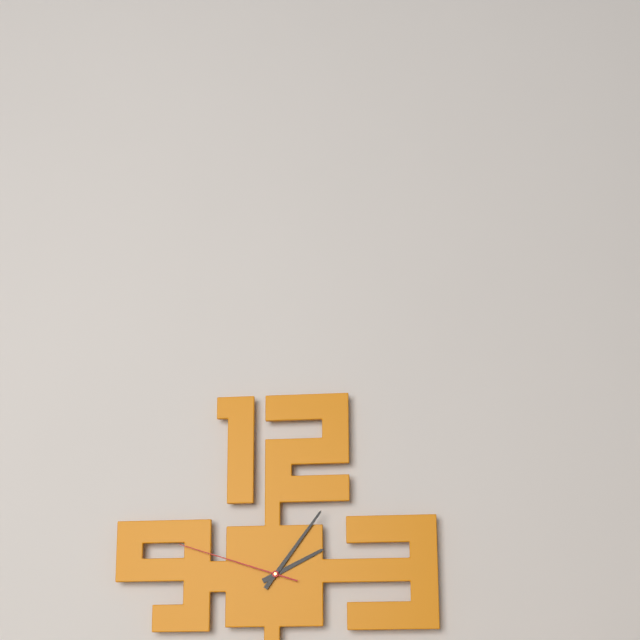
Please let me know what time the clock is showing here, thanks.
2:06:48
